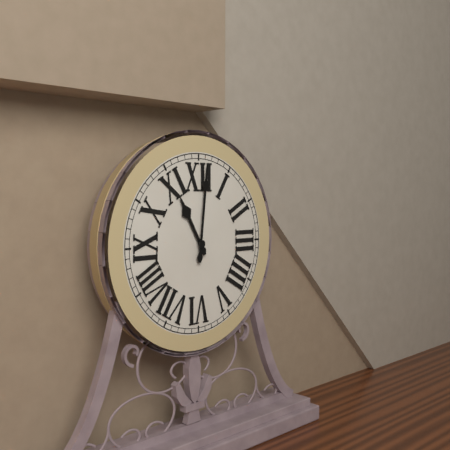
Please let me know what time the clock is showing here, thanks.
11:01
